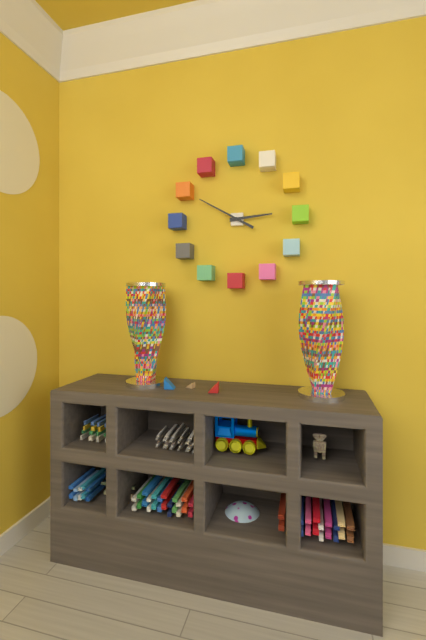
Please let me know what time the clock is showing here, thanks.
2:50
